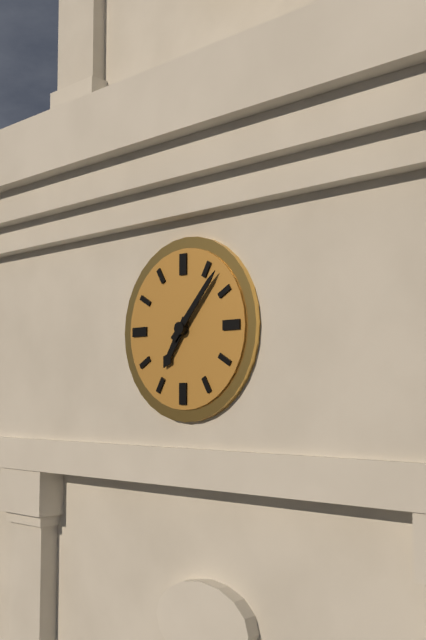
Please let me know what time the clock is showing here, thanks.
7:07
